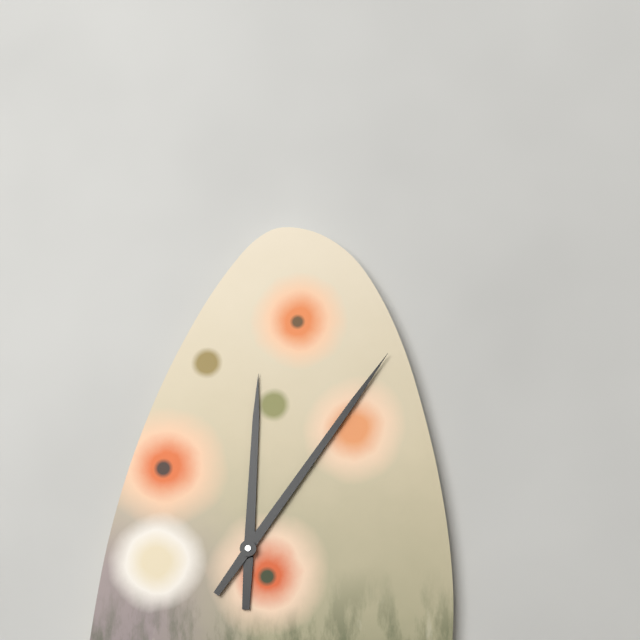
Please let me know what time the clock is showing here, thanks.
12:06
